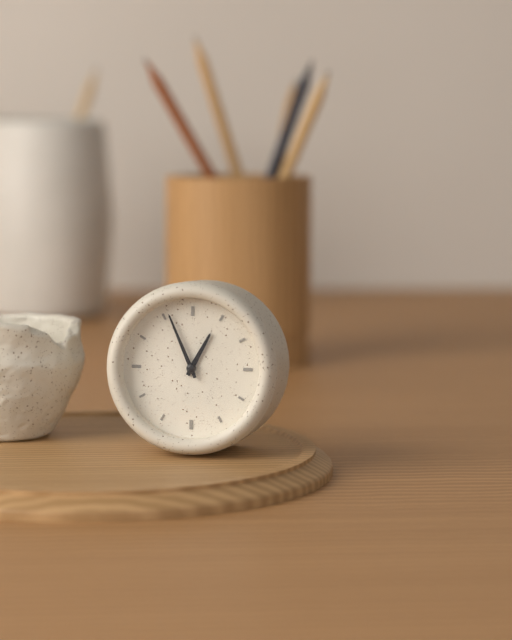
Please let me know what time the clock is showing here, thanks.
12:56
